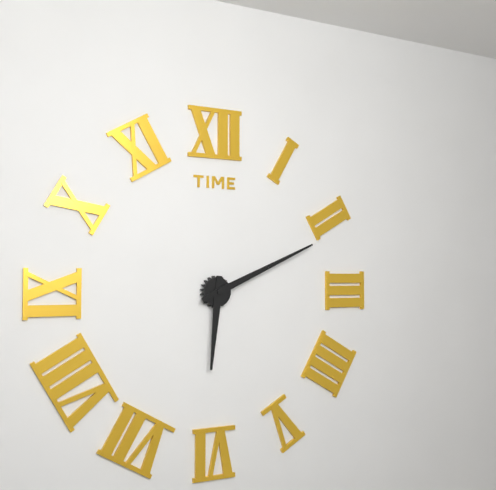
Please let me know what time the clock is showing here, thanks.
6:11
